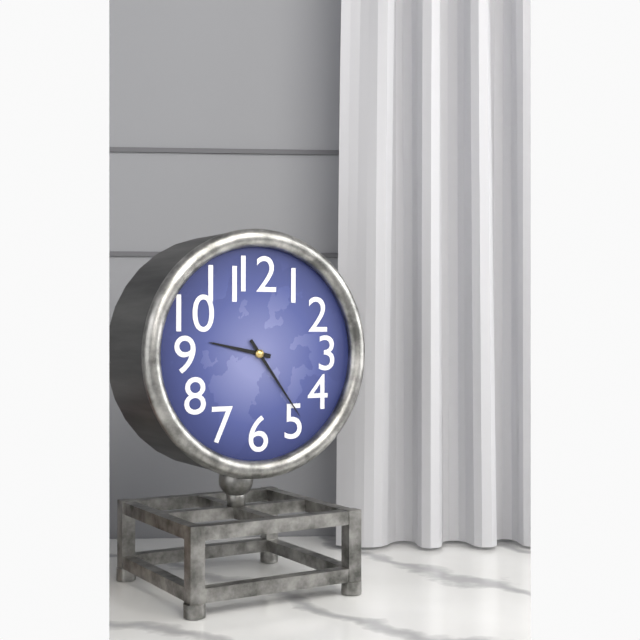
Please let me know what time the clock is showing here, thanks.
9:24
